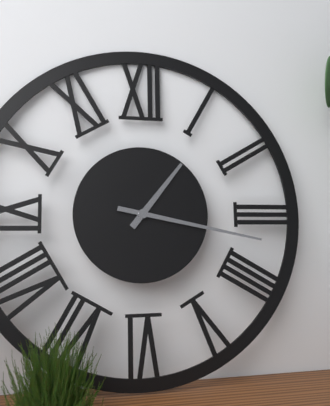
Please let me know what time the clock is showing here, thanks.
1:17
